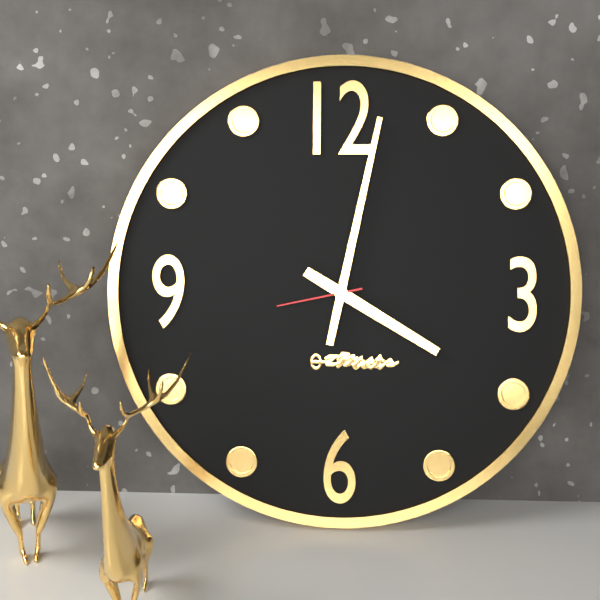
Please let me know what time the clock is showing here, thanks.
4:02:43
